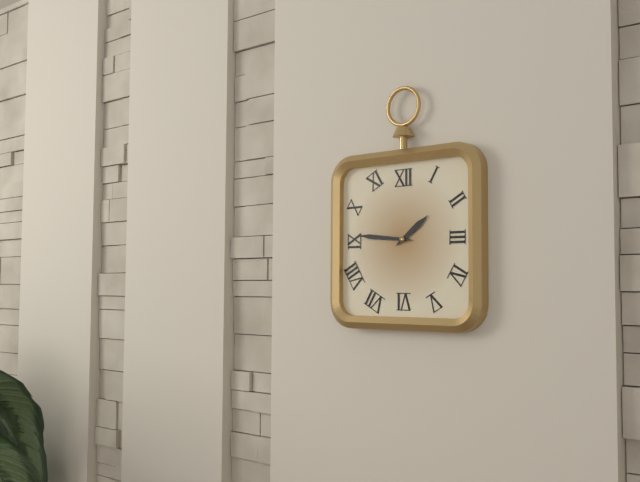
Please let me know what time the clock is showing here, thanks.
1:46
